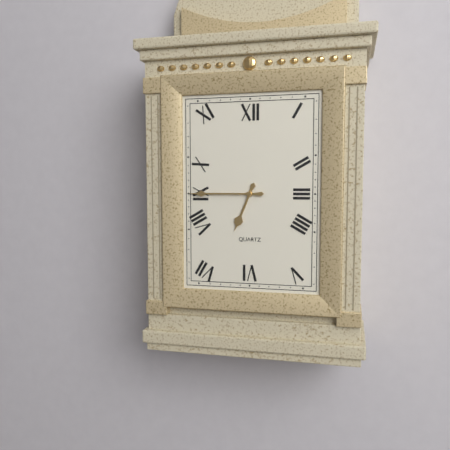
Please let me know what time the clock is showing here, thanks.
6:45
